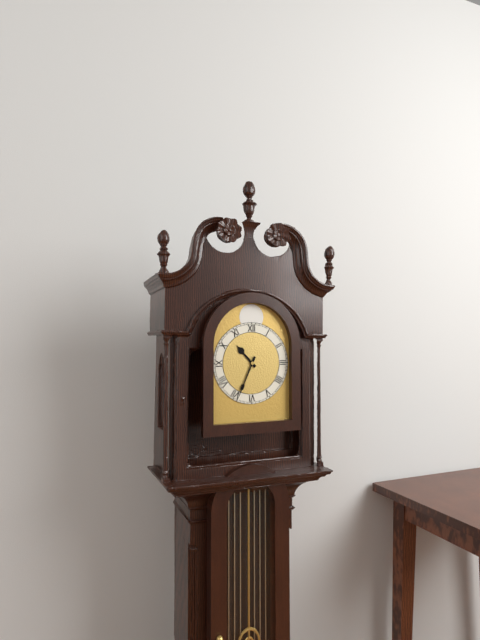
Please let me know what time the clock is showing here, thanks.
10:34
